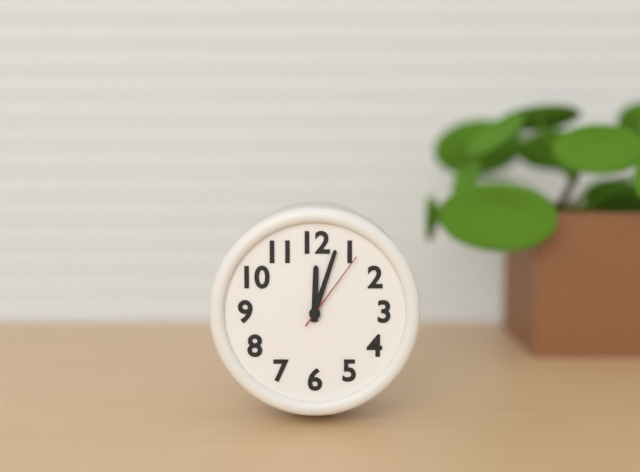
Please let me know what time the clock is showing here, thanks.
12:03:06
